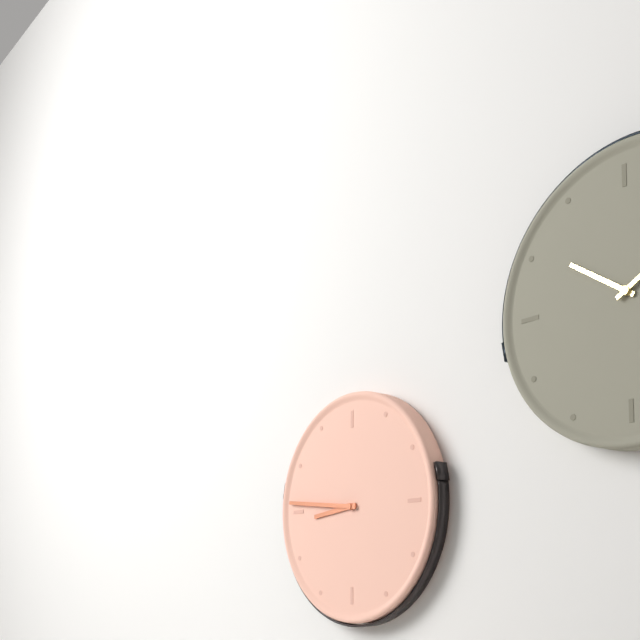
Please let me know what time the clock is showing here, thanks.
8:46
